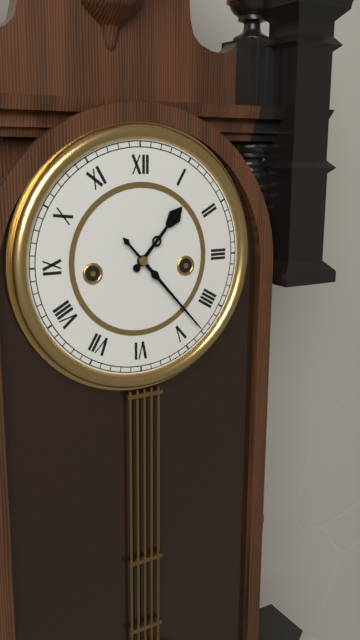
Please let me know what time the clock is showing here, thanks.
1:23
